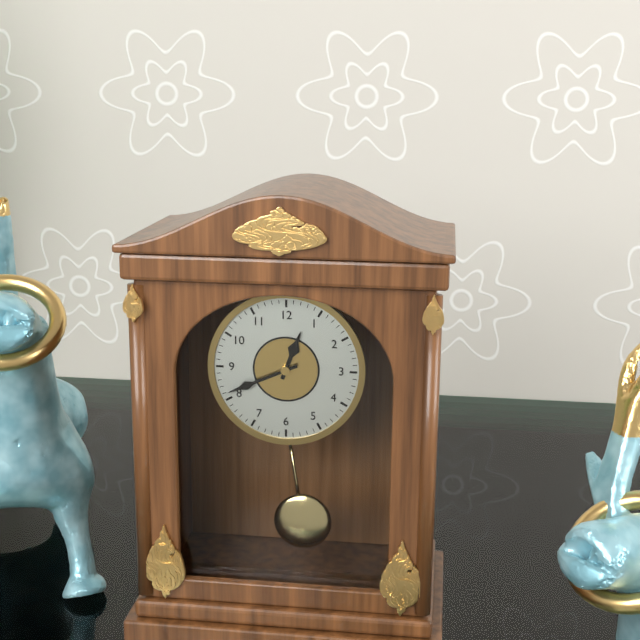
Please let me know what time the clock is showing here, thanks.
12:41
